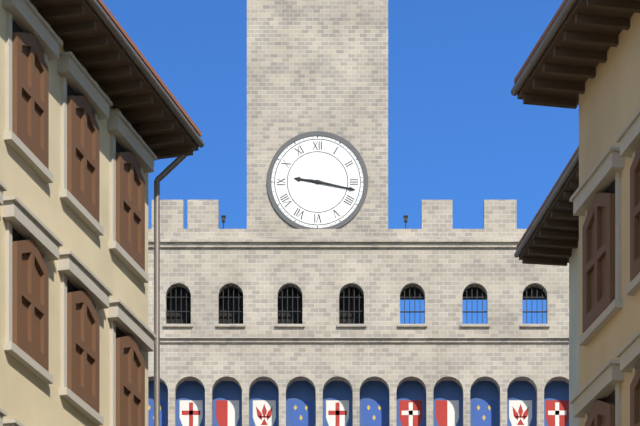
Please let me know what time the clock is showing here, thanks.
9:17
